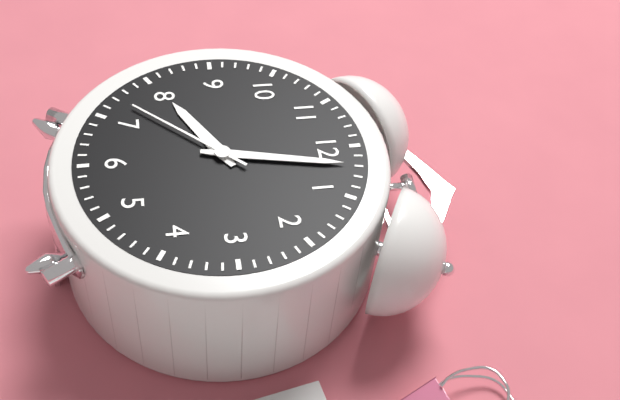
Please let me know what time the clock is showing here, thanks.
8:02:37
